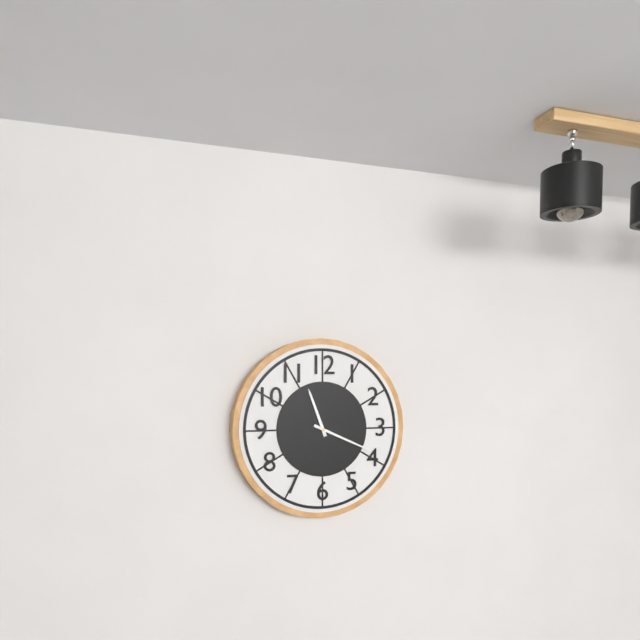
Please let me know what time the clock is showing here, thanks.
11:19
